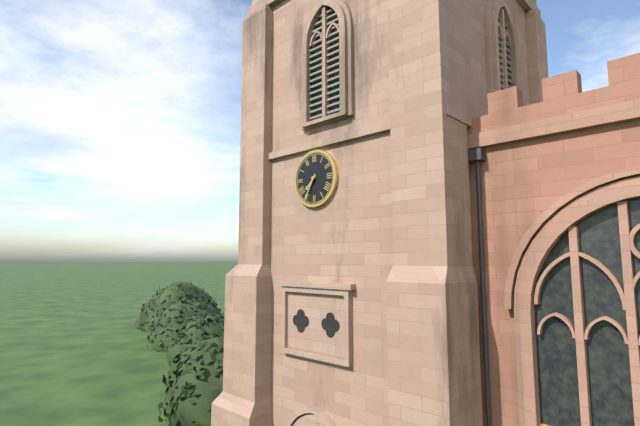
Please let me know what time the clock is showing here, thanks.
7:35
